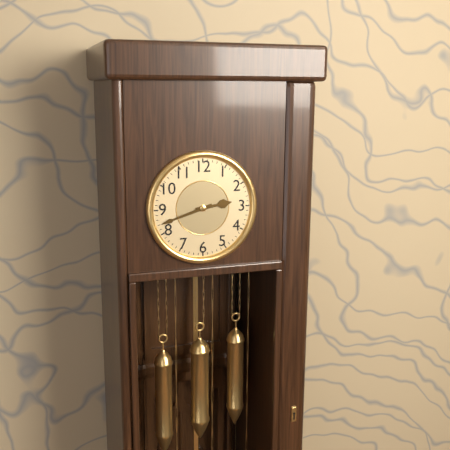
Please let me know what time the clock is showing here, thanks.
2:42
